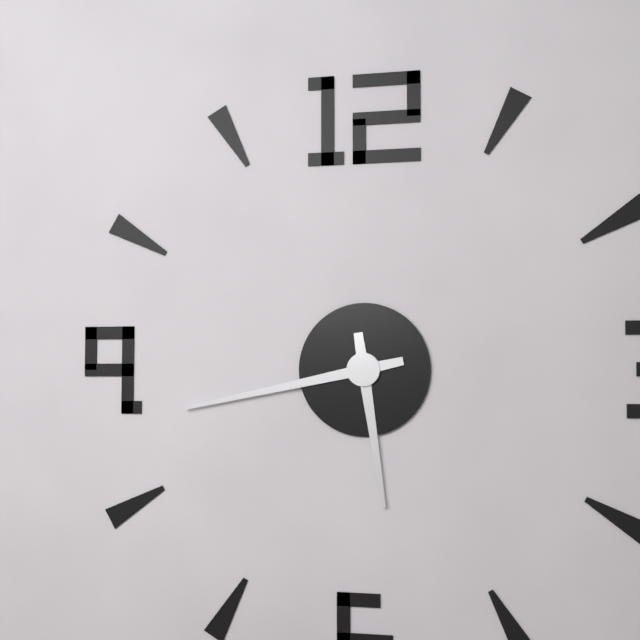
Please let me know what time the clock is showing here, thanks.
5:43
